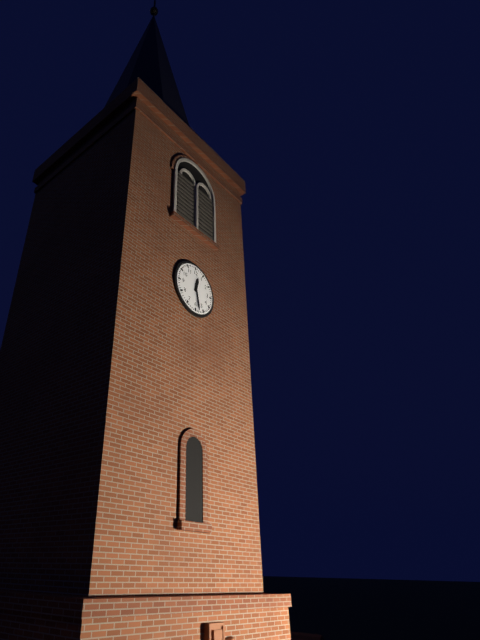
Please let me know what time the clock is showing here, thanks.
12:28
